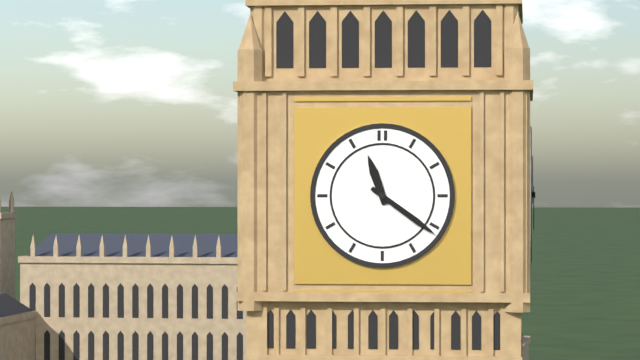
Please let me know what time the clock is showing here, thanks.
11:21
